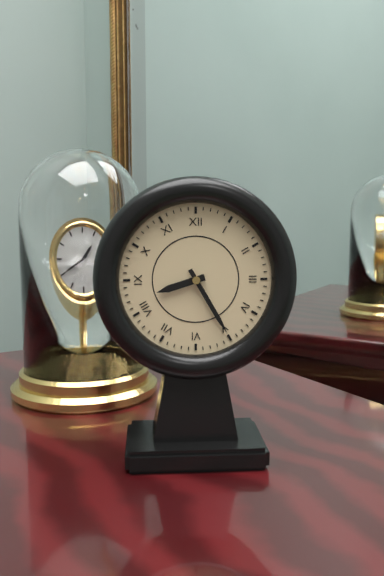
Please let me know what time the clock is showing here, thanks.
8:25
